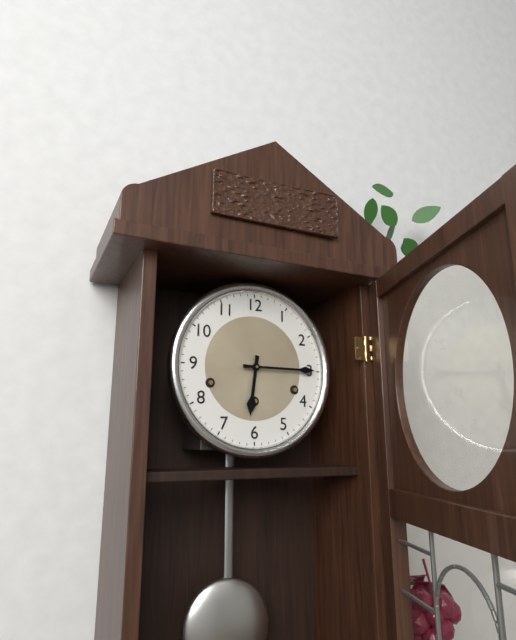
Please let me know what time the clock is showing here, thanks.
6:15
